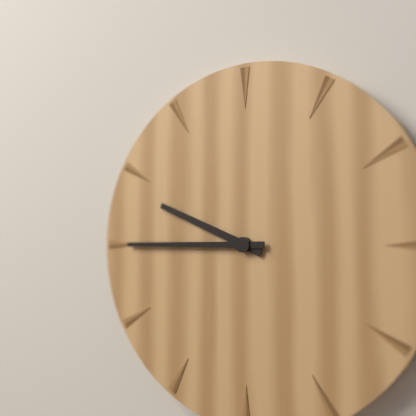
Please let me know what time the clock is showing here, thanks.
9:45
